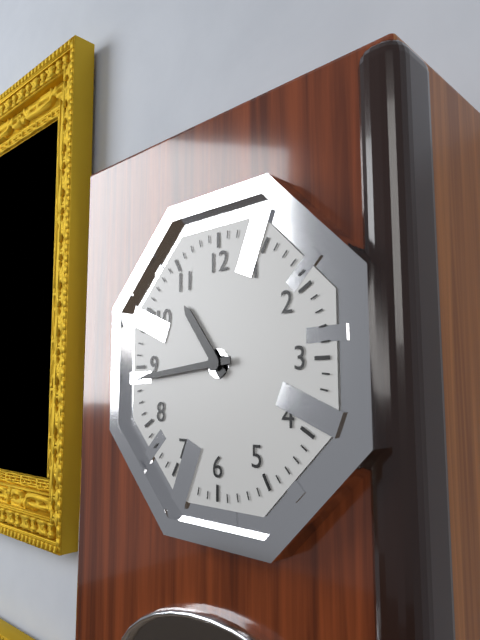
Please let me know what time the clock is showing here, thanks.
10:44
